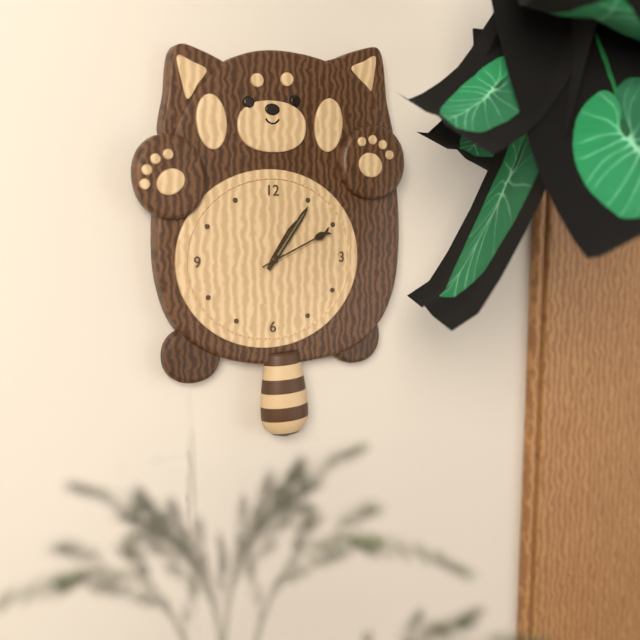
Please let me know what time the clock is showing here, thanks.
1:06:11
